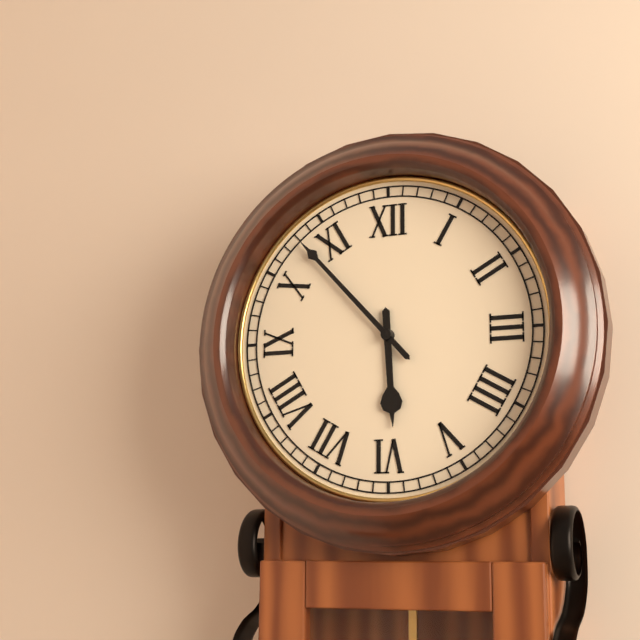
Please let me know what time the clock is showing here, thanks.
5:53
